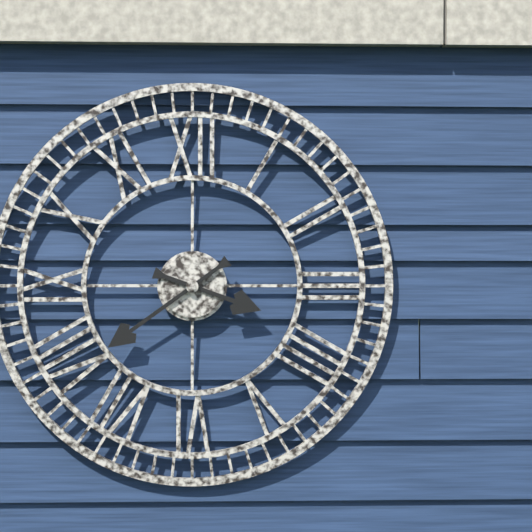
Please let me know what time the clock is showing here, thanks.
3:39
